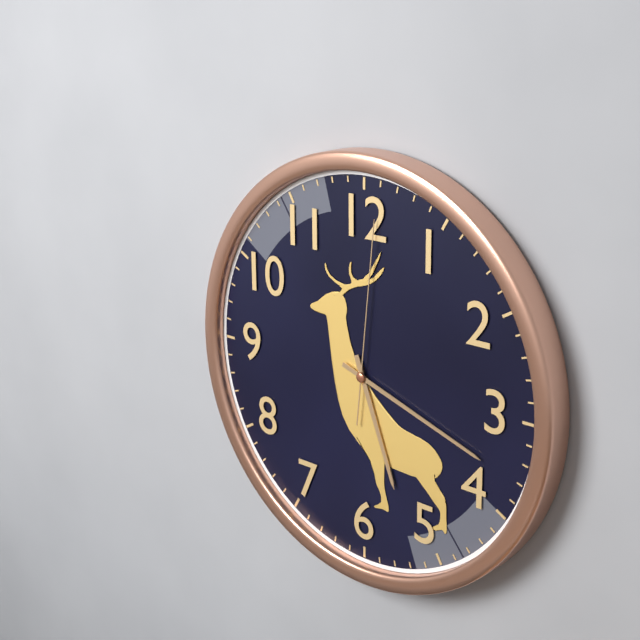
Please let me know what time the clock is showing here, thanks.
5:18:01
